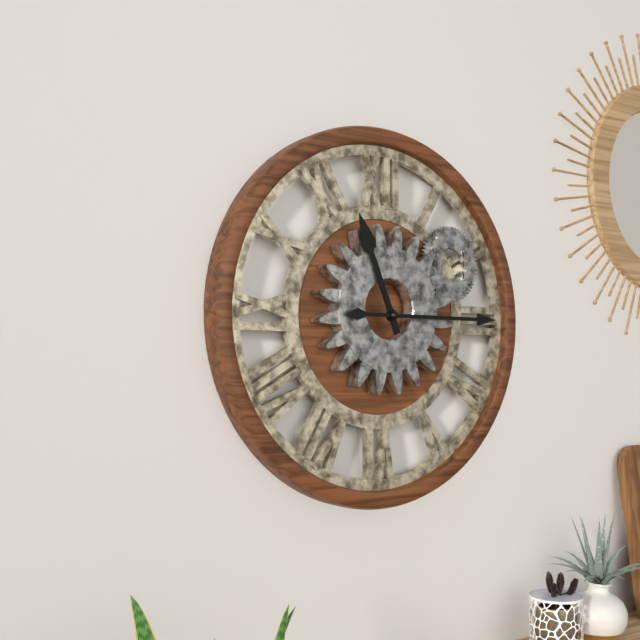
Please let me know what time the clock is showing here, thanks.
11:15
